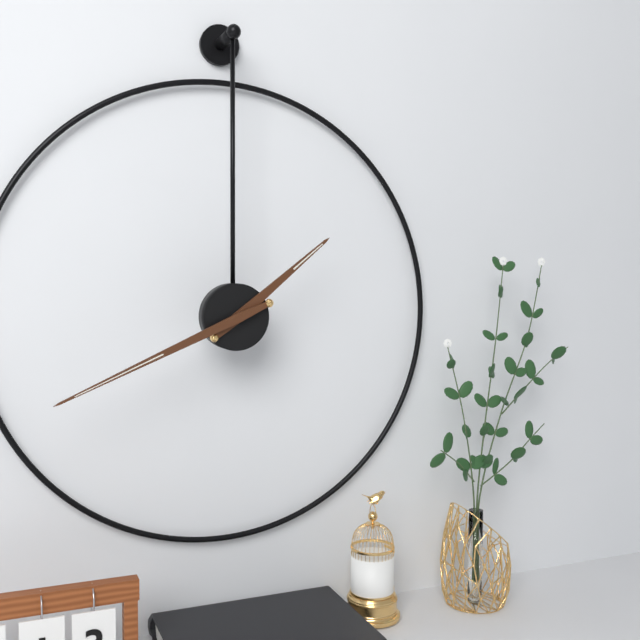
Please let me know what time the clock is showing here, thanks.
1:41
